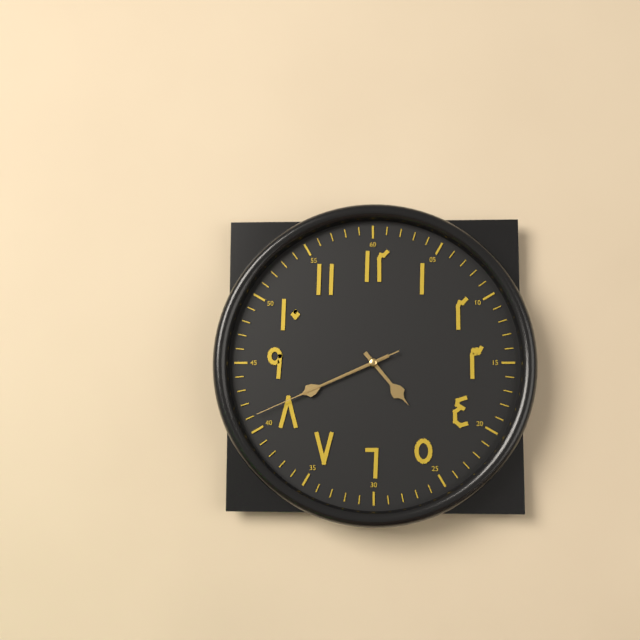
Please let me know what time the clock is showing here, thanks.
4:41:41
